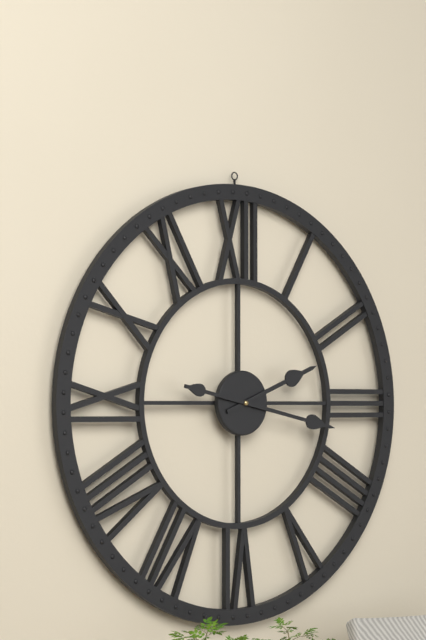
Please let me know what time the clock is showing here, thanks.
2:17
